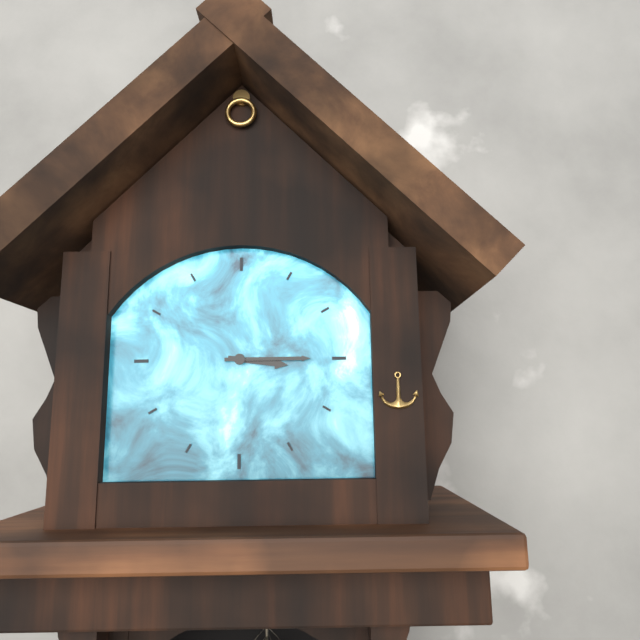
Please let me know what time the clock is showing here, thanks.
3:15
